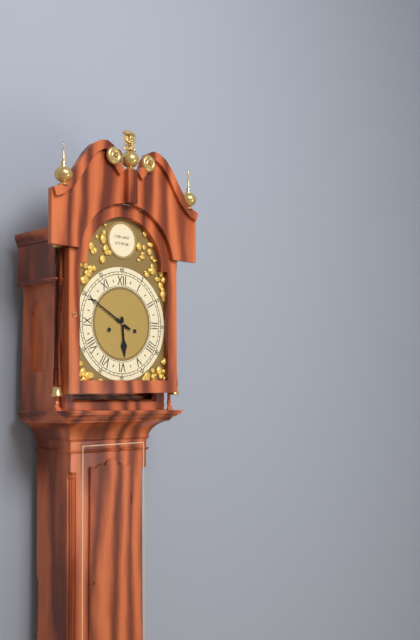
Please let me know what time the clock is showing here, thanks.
5:50
